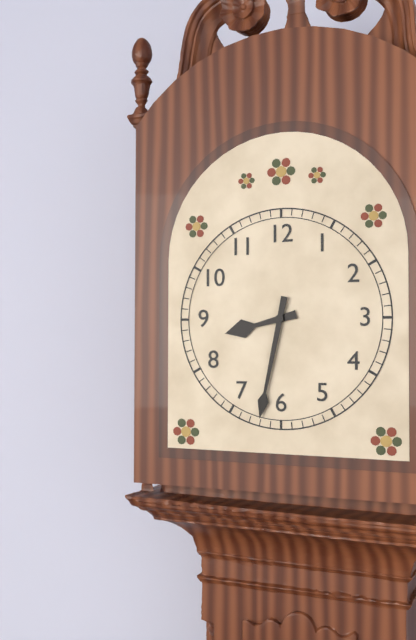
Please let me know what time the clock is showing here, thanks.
8:32
